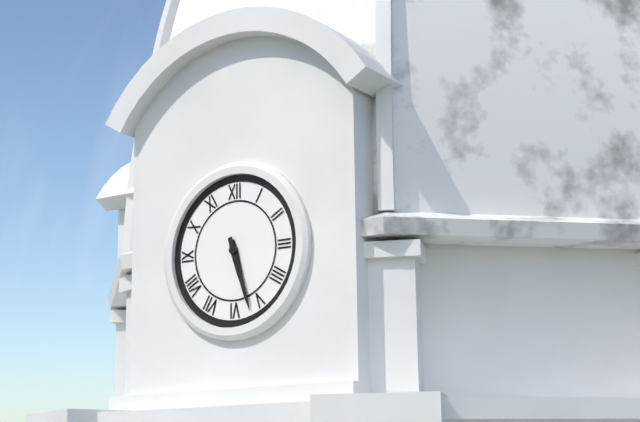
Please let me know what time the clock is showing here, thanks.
5:27
